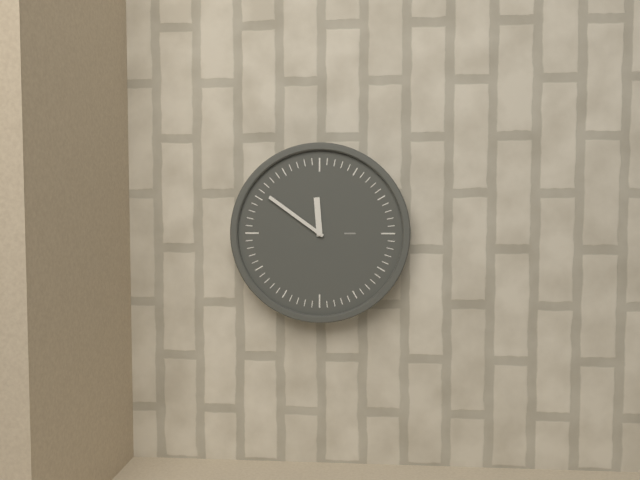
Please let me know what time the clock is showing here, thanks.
11:51
